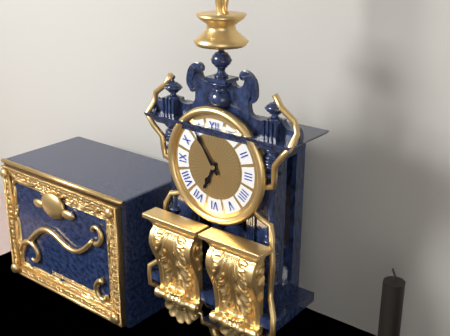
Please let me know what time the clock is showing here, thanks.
6:54
